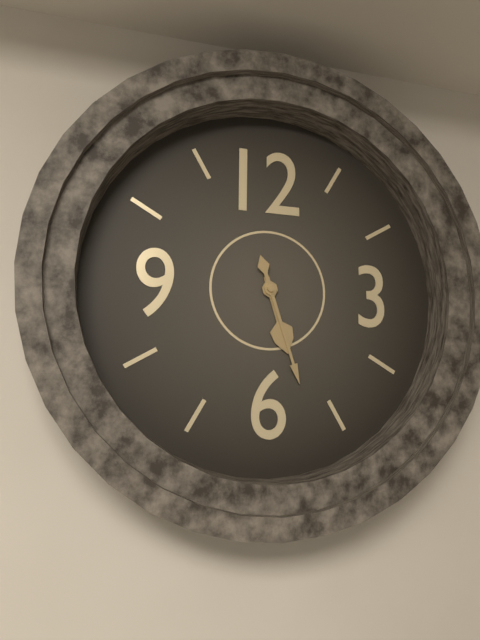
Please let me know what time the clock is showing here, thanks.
5:27
